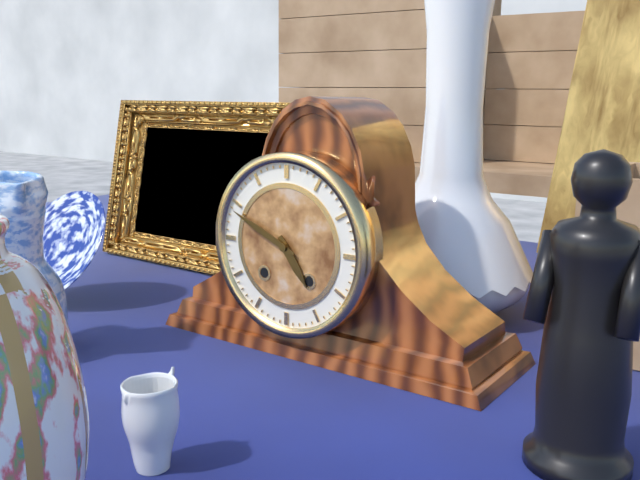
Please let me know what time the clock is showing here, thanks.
4:49
